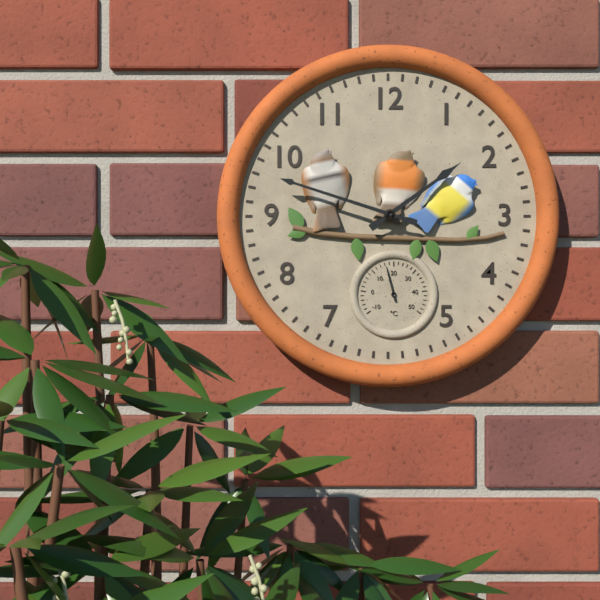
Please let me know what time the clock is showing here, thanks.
1:48
